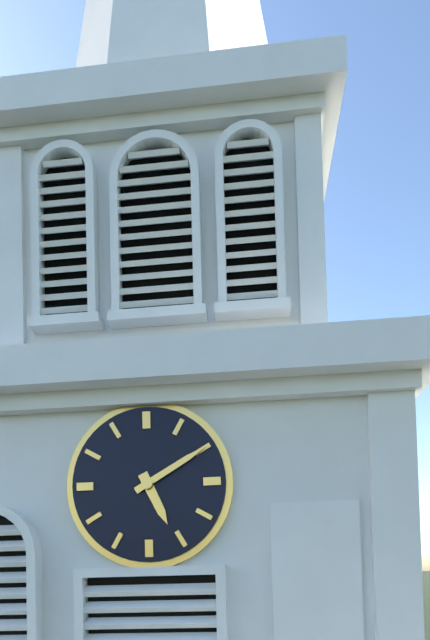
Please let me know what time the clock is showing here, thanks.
5:10
